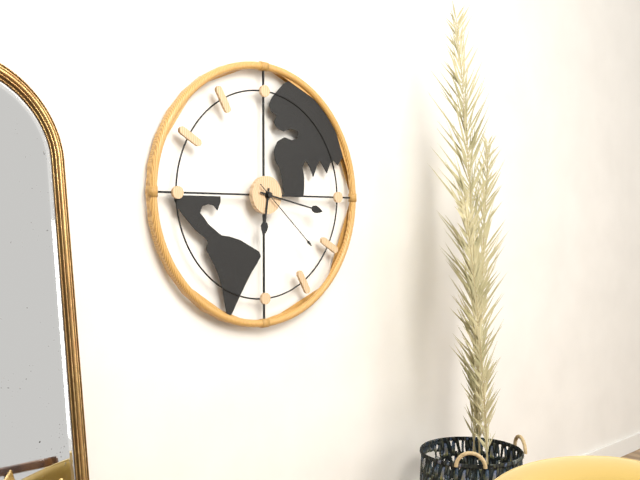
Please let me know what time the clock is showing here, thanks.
6:17:22
